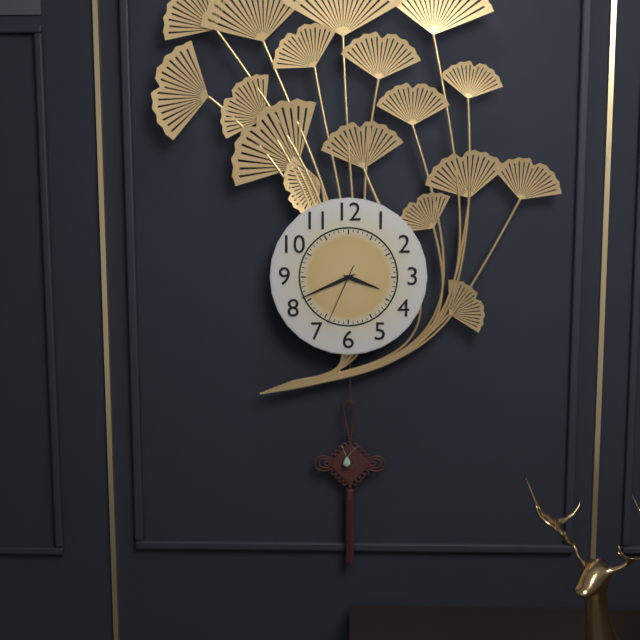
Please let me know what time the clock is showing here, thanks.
3:41:34
